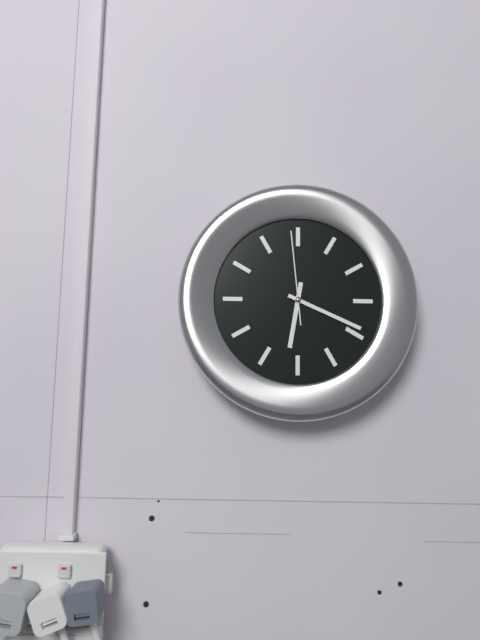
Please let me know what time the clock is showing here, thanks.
6:19:59
